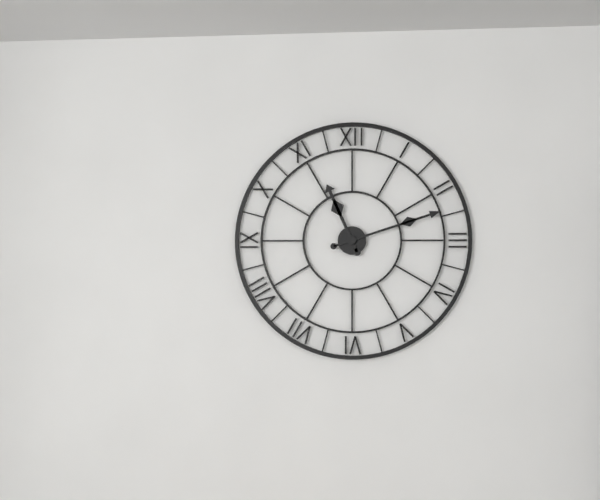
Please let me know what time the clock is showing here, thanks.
11:12
